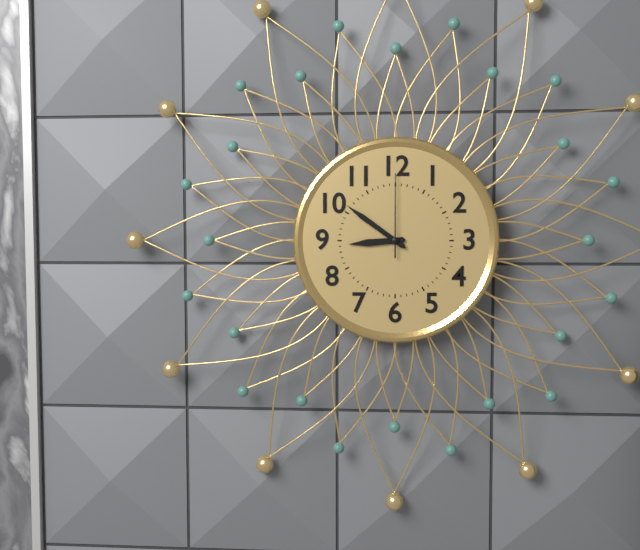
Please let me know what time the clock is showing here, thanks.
8:51:00
